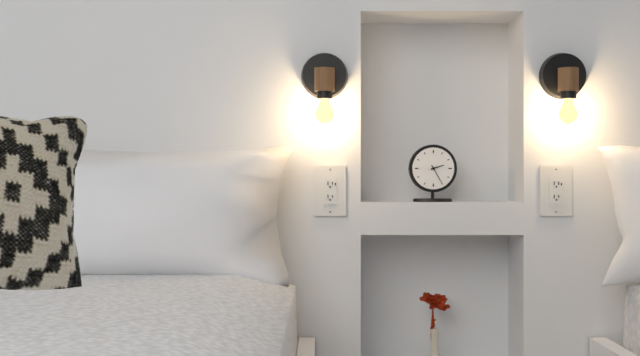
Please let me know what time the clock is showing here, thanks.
2:25
